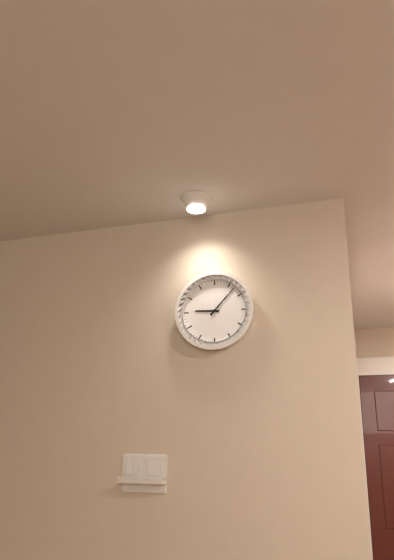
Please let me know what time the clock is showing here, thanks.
9:07
